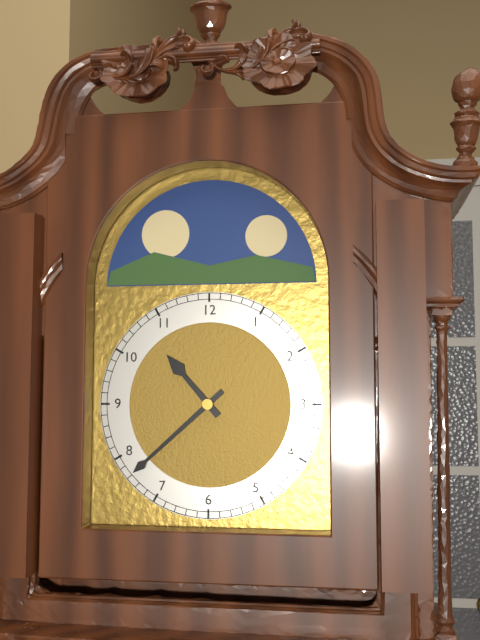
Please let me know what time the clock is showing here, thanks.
10:38
